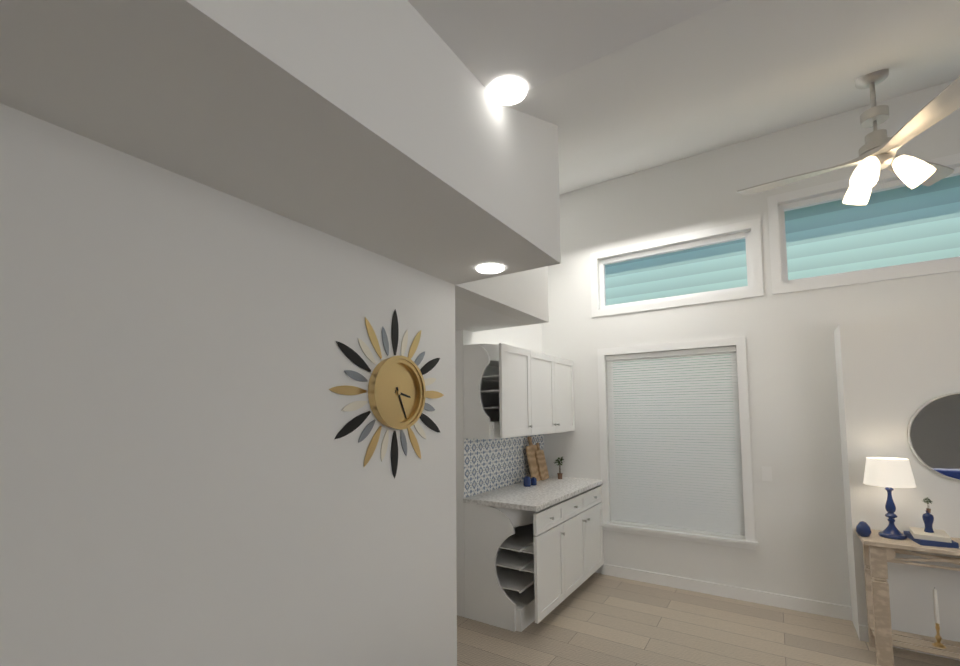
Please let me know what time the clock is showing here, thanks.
3:26
